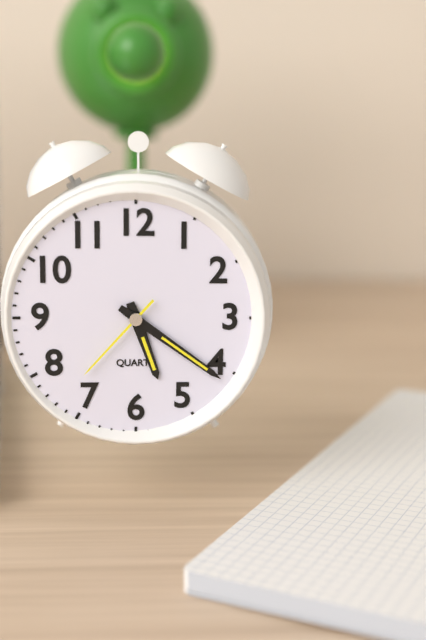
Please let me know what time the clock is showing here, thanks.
5:21:37
